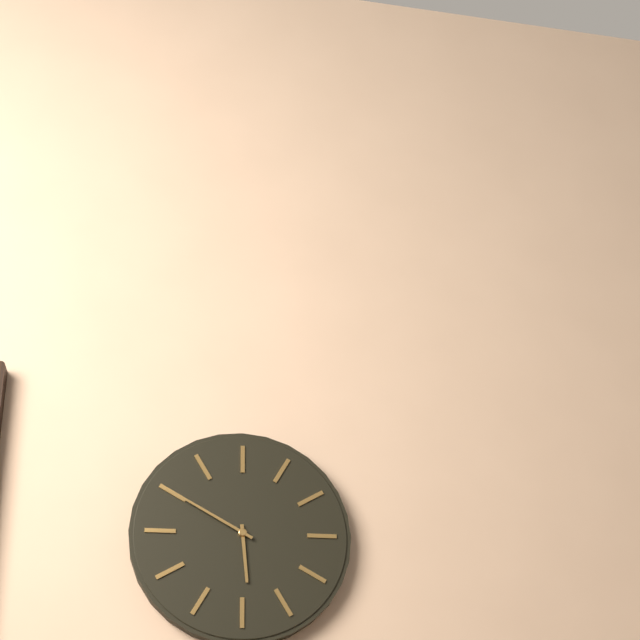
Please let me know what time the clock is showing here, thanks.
5:50
